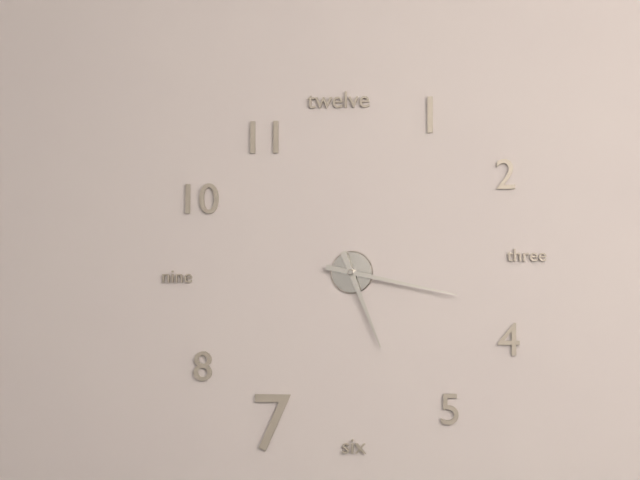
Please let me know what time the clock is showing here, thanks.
5:17
